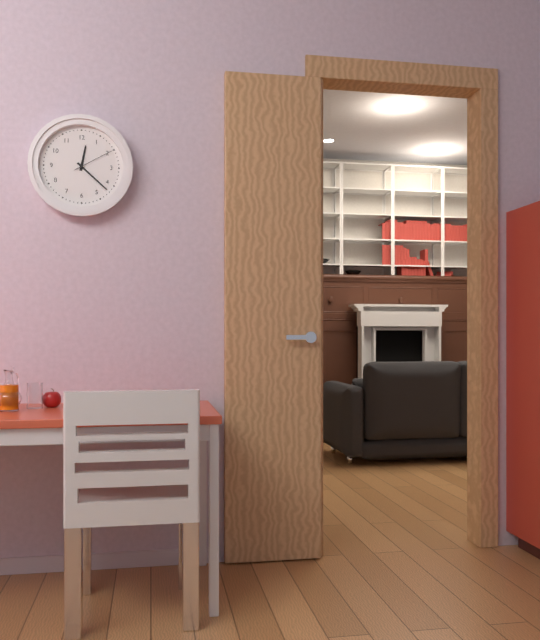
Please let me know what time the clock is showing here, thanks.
12:22
